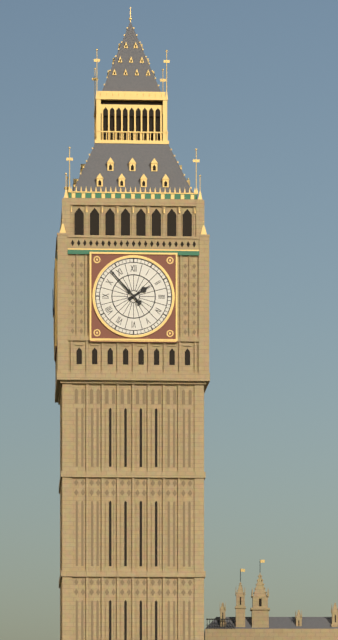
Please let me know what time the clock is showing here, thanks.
1:53
